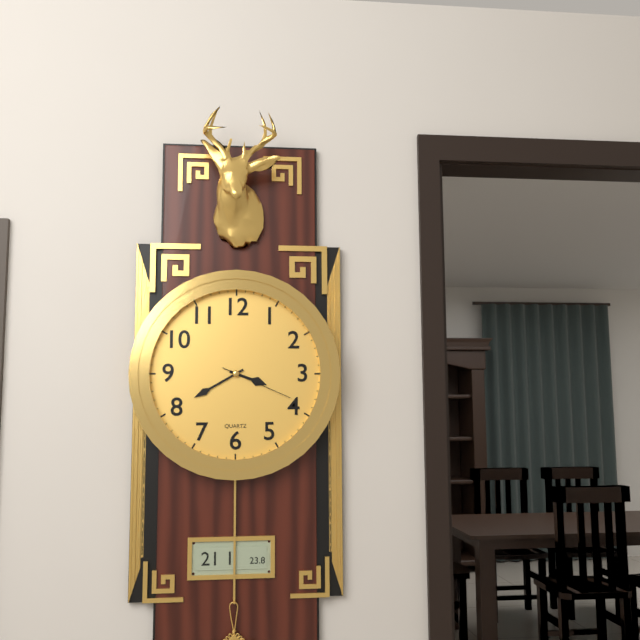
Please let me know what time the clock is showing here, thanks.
3:40:19
